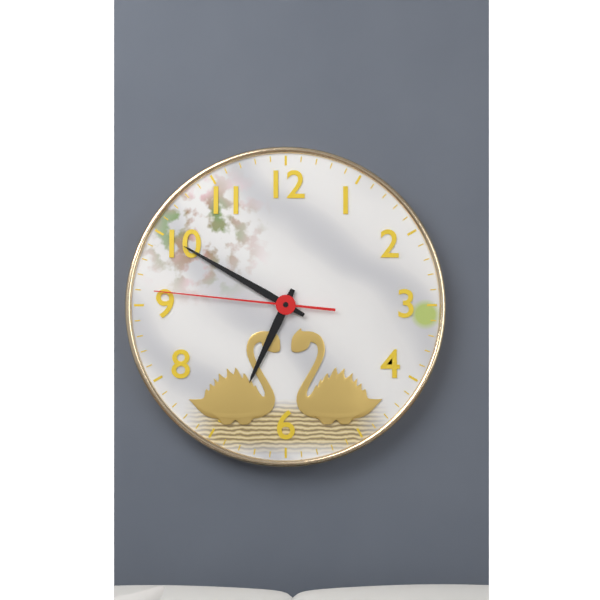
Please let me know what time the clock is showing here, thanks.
6:50:46
